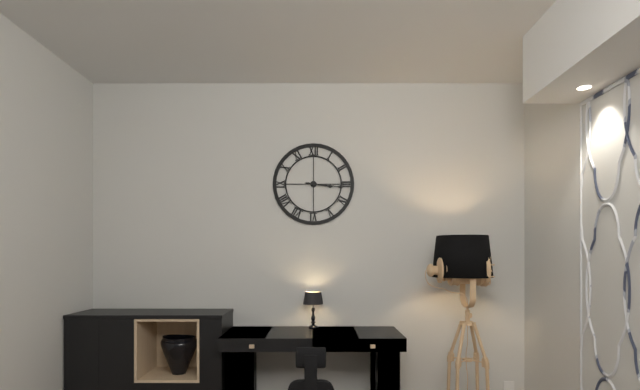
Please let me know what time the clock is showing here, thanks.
3:16
